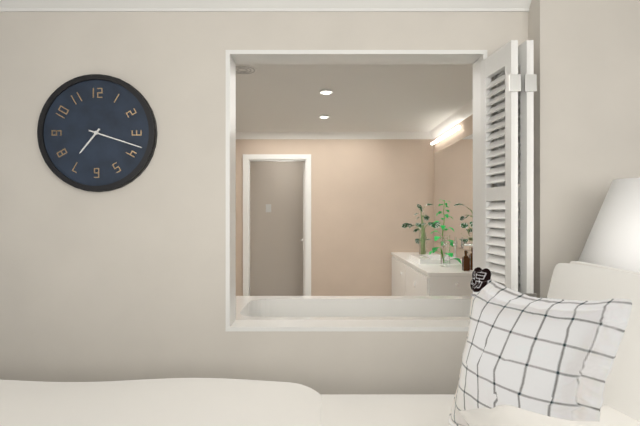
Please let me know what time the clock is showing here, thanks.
7:18
